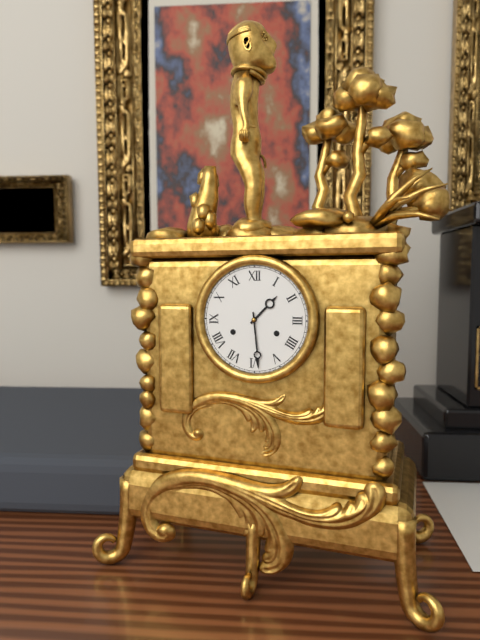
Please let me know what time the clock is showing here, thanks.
1:29
